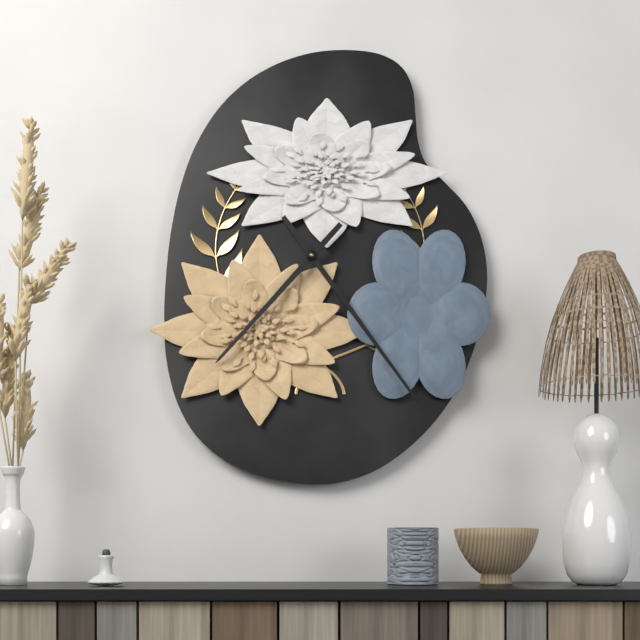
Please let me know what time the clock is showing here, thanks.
7:24
